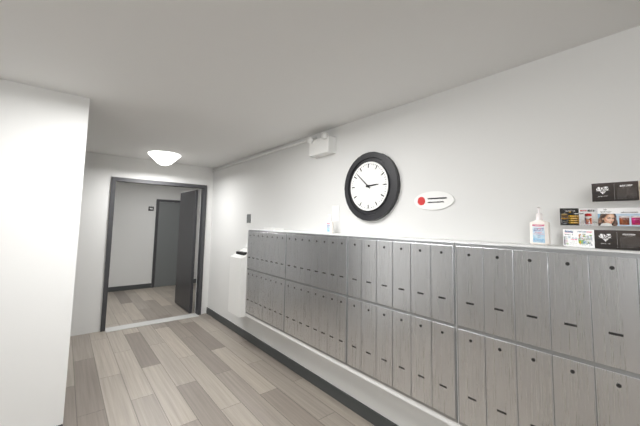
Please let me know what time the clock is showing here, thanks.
2:52
